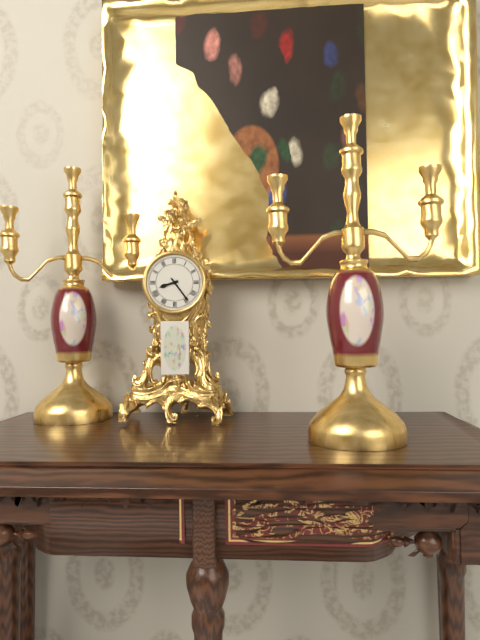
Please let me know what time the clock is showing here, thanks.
8:24
